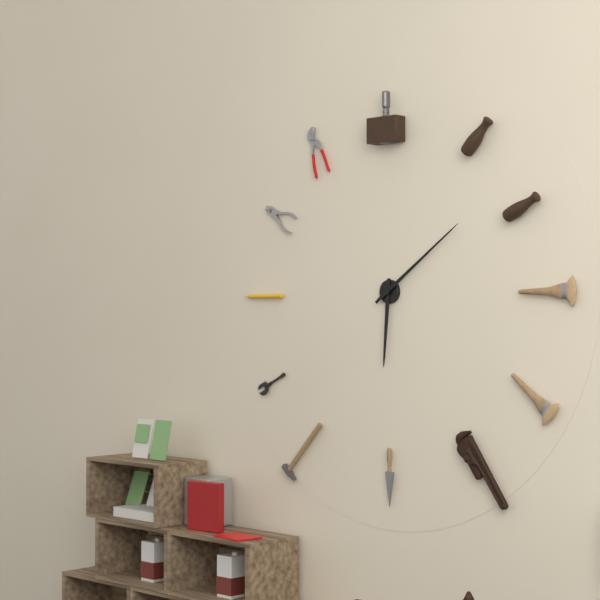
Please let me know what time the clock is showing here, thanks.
6:09
